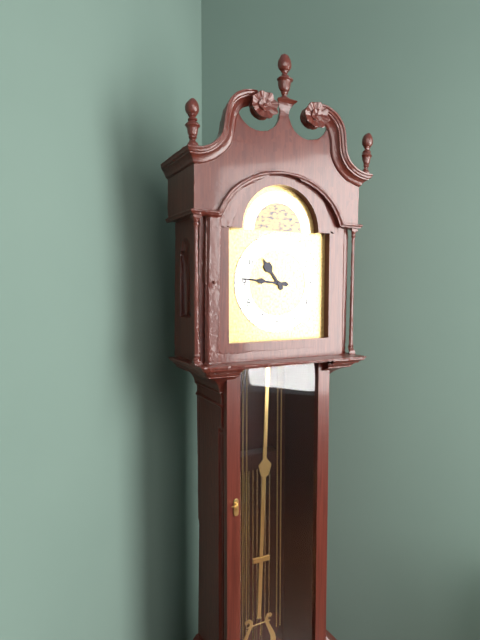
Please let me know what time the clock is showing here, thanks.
10:46
